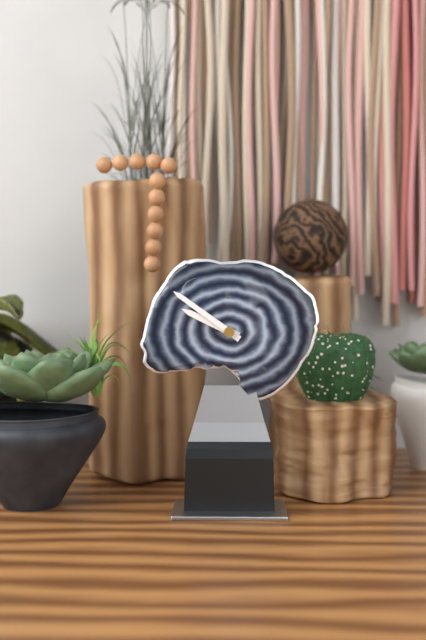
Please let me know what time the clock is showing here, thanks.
9:51
